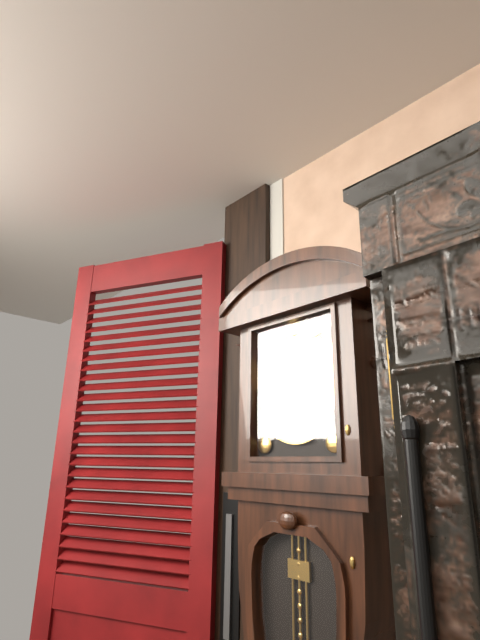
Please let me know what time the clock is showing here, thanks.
3:28
